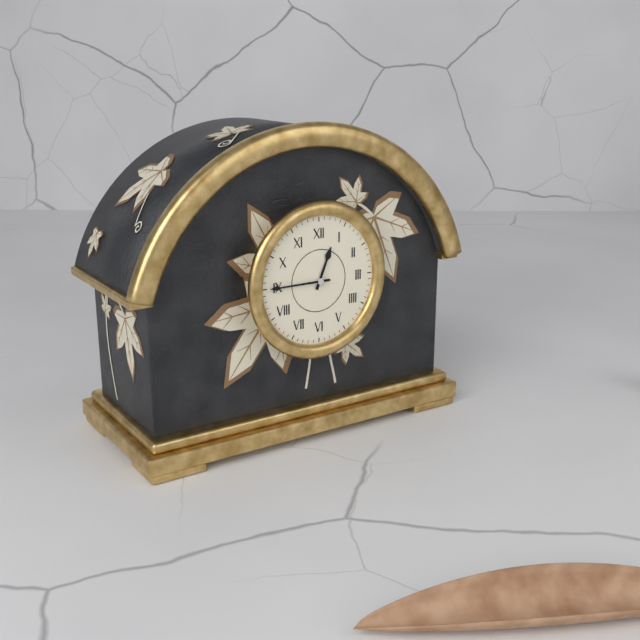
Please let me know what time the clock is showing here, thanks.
12:45
